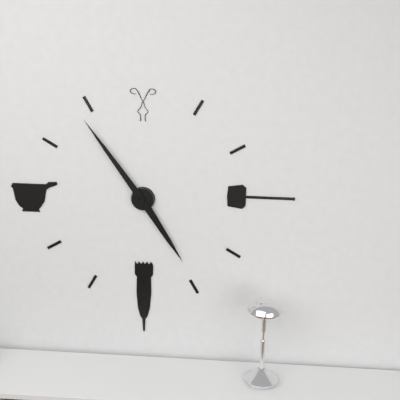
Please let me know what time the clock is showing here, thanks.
4:54
